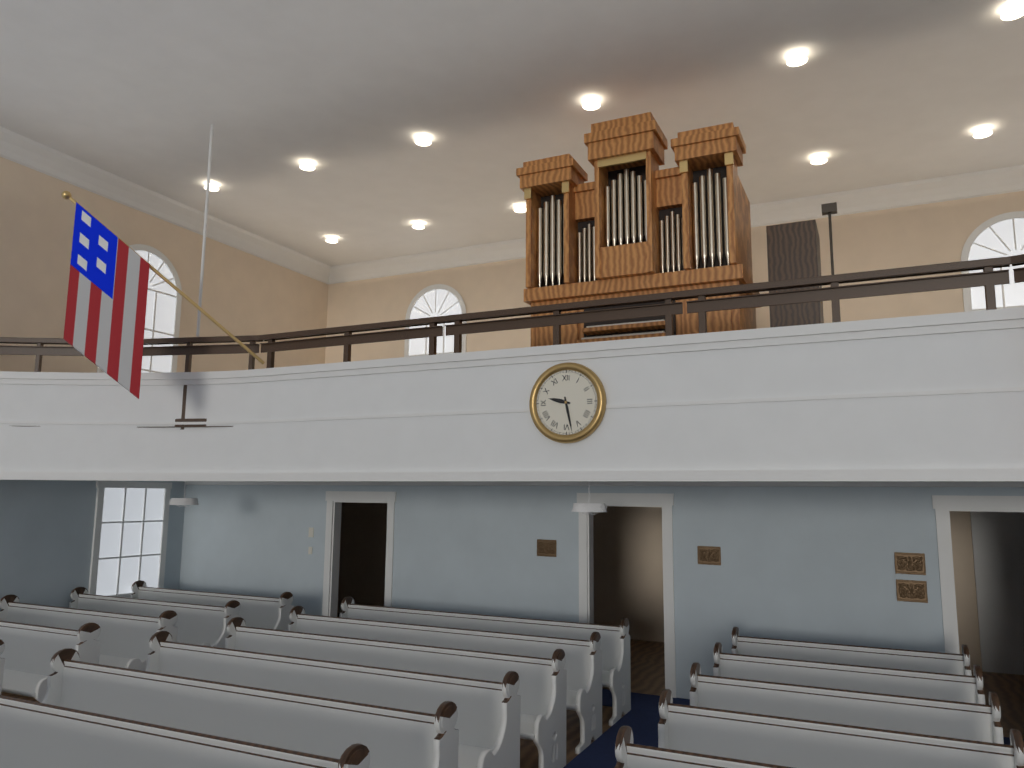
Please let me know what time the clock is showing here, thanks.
9:28
